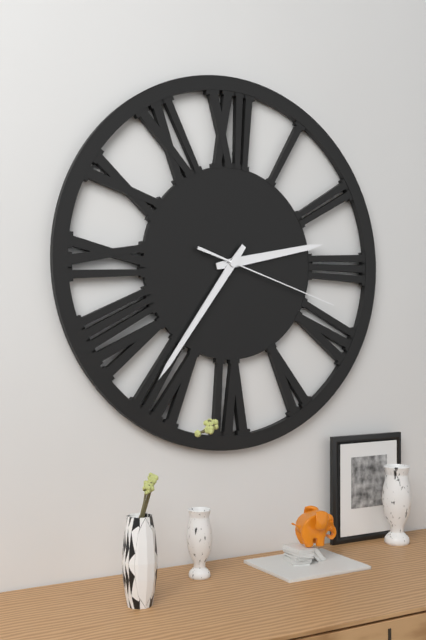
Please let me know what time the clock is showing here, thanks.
2:36:18
